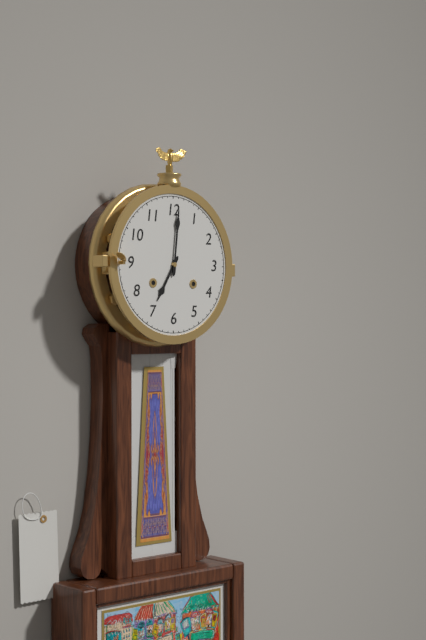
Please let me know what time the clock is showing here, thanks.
7:01
